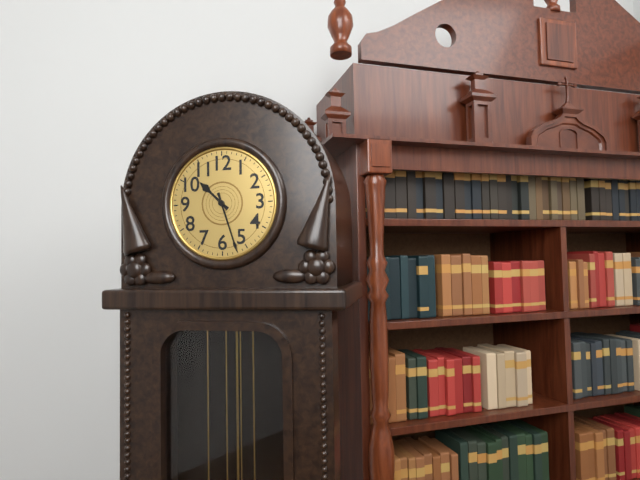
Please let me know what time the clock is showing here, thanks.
10:27
